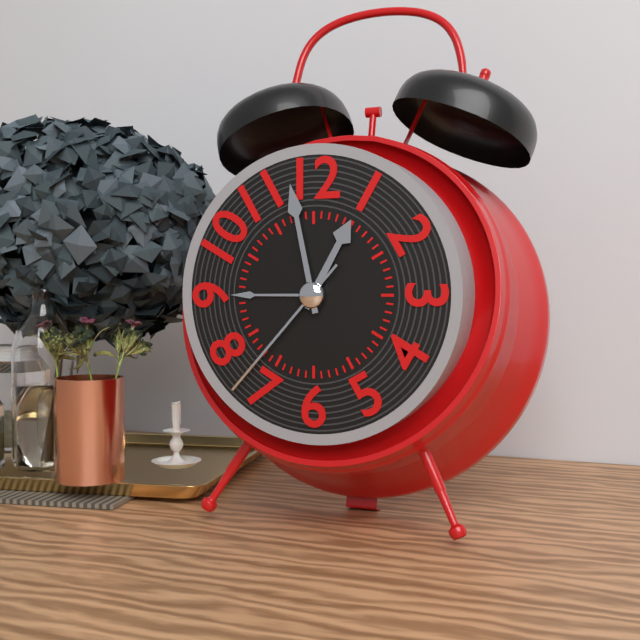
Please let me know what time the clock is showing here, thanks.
12:58:37
